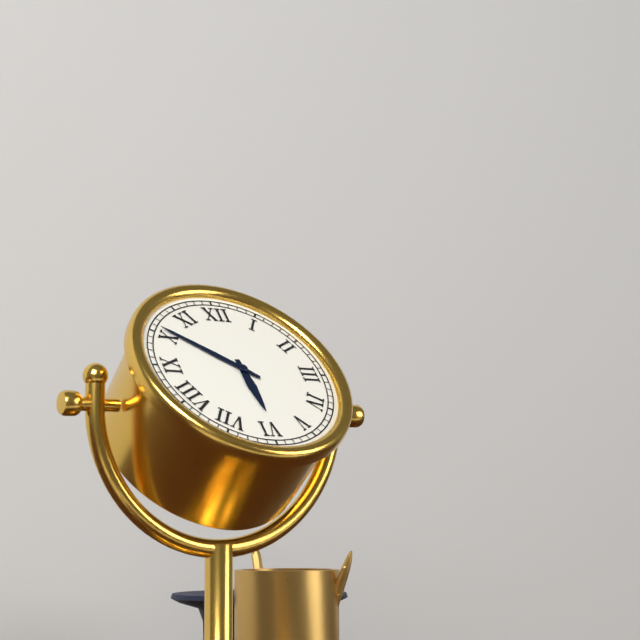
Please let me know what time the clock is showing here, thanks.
5:51
